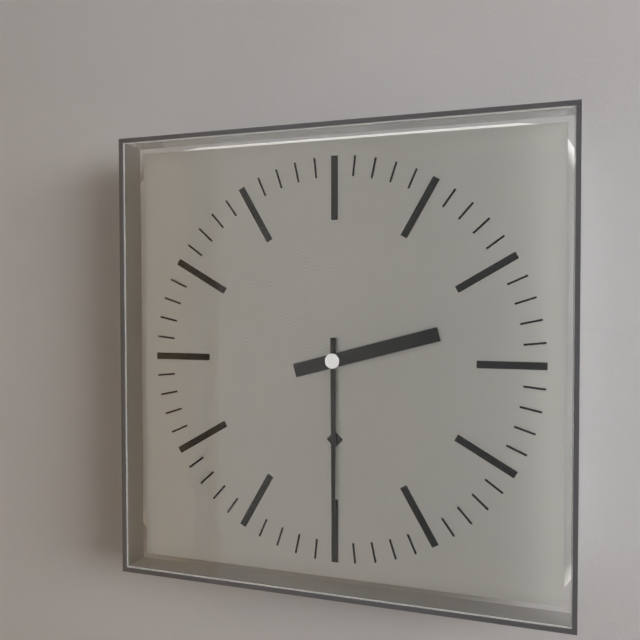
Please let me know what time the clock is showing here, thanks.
2:30
